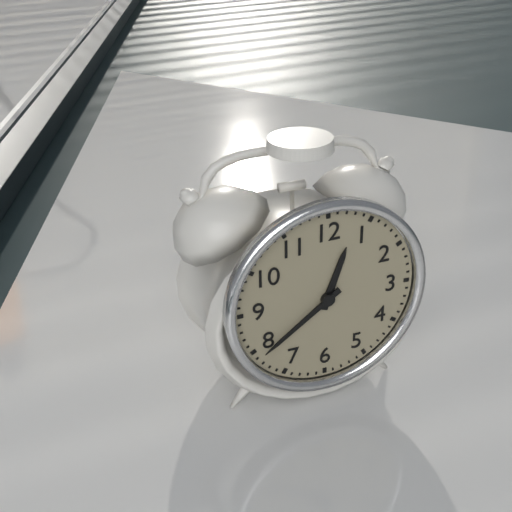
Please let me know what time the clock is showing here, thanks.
12:39
